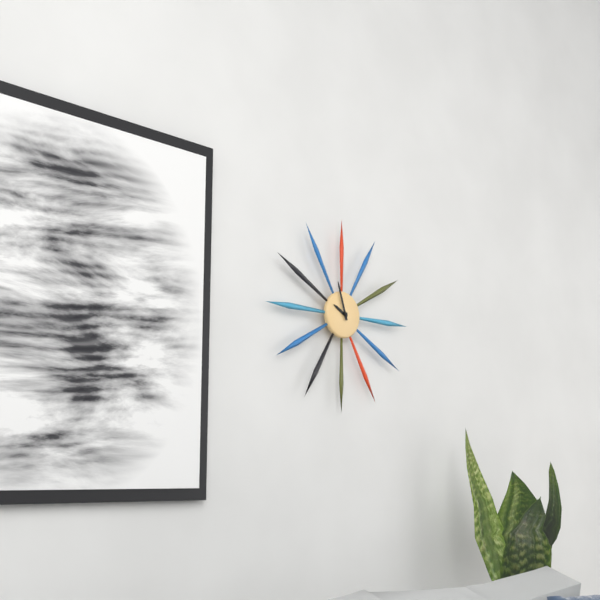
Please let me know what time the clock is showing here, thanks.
9:57
